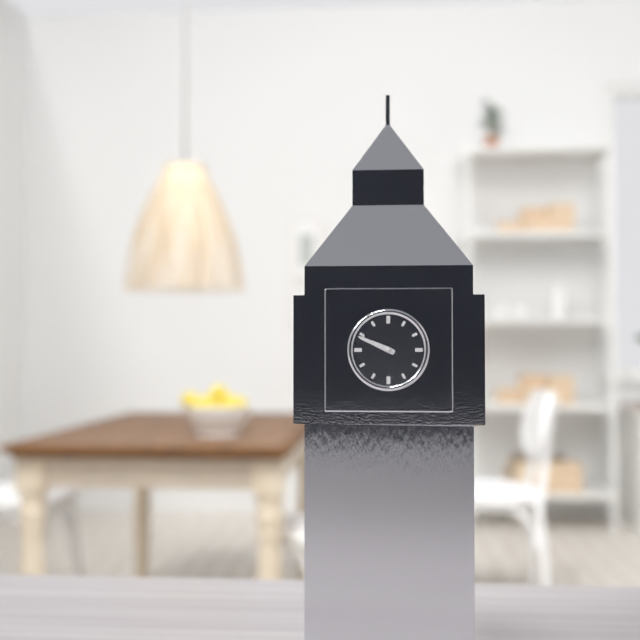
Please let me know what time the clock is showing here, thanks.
9:49
